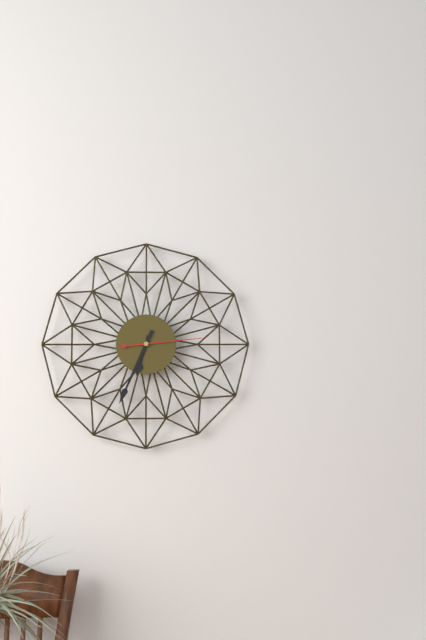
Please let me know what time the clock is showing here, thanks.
6:34:14
